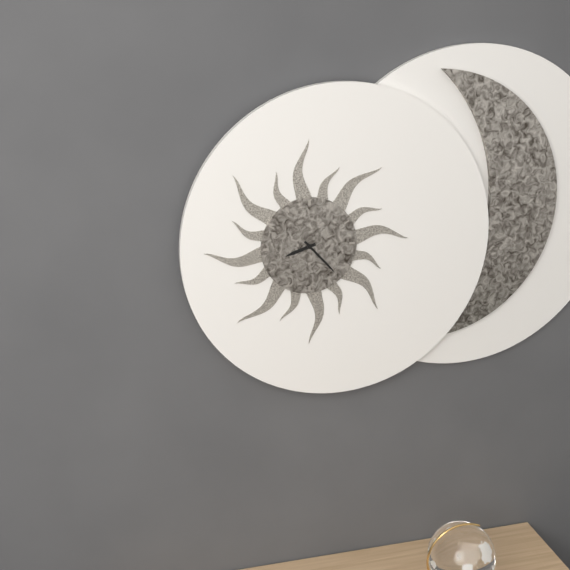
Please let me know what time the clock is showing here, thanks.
8:23
